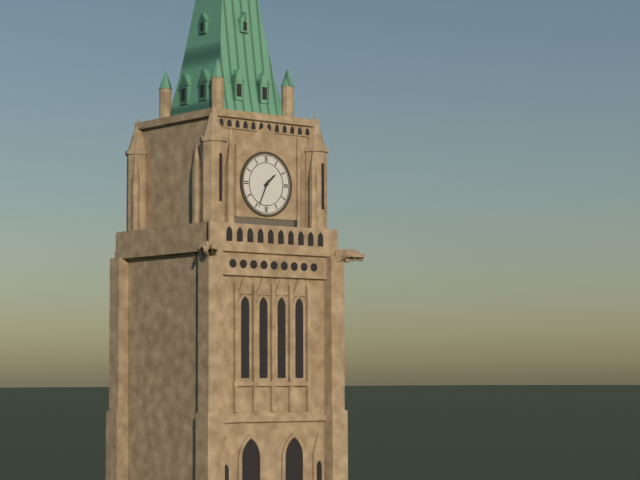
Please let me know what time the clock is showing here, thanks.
1:34
